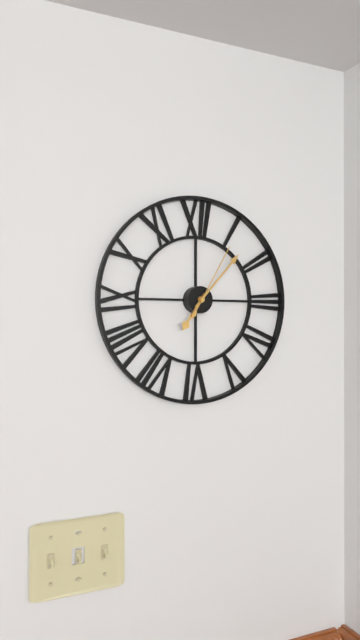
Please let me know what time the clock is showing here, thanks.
7:07:05
